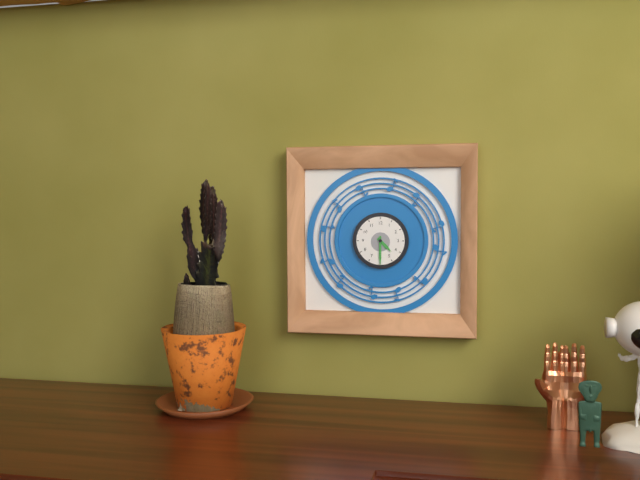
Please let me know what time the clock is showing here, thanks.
4:30
